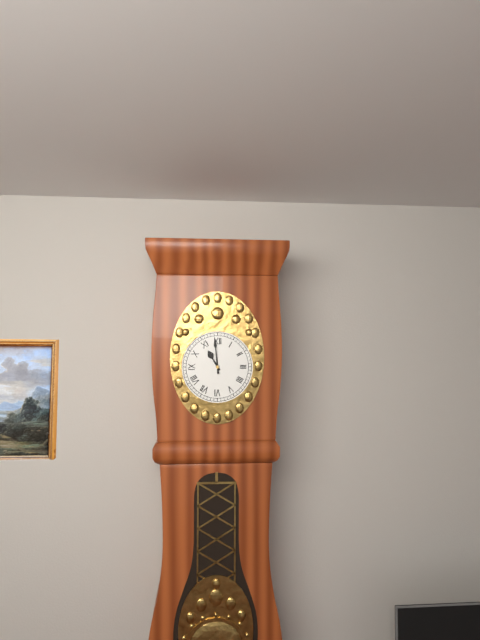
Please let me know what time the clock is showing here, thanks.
10:59
